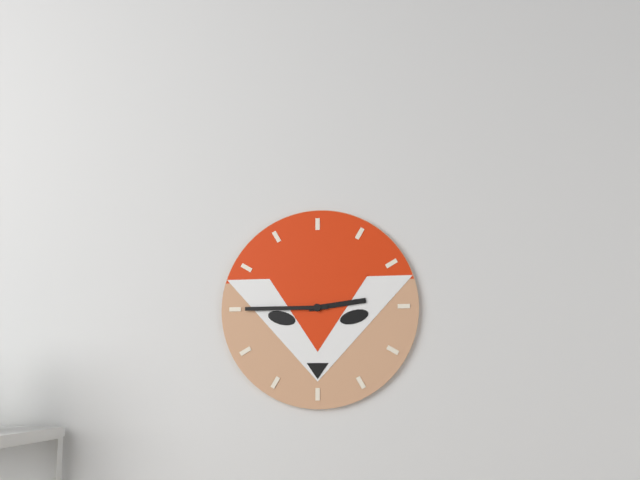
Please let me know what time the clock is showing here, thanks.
2:45
